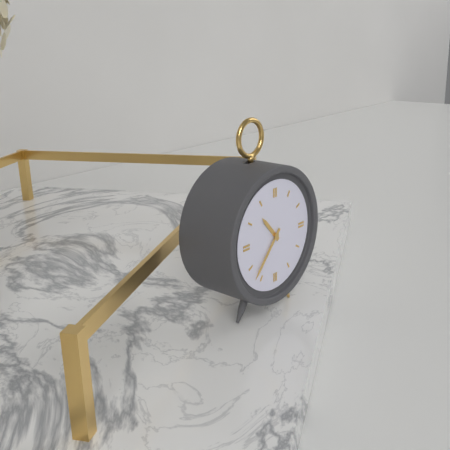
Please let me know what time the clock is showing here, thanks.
10:37
